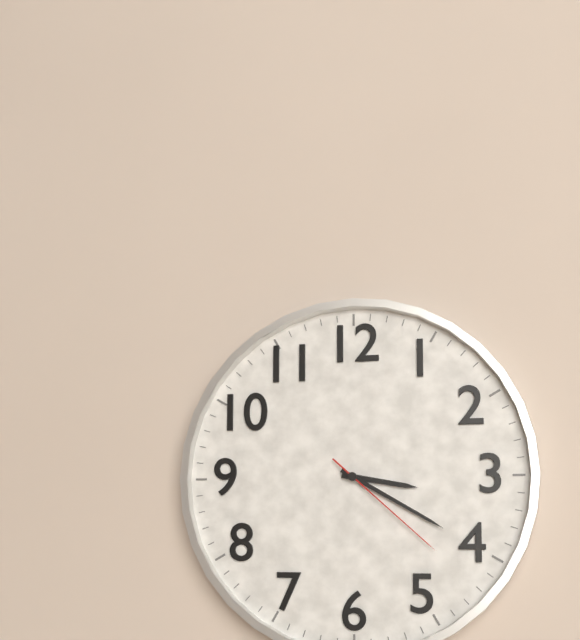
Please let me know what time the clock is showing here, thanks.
3:20:22
